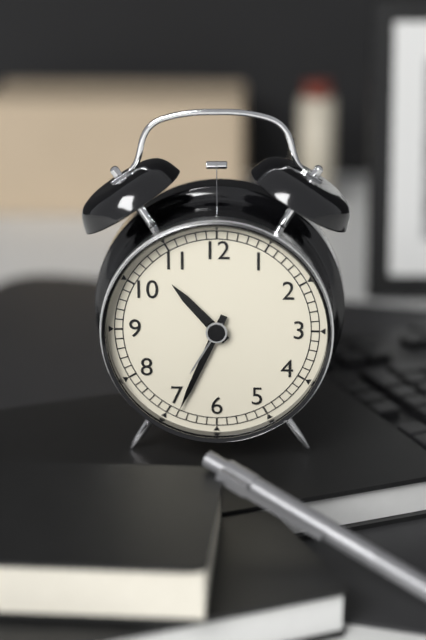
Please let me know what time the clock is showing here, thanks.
10:34
